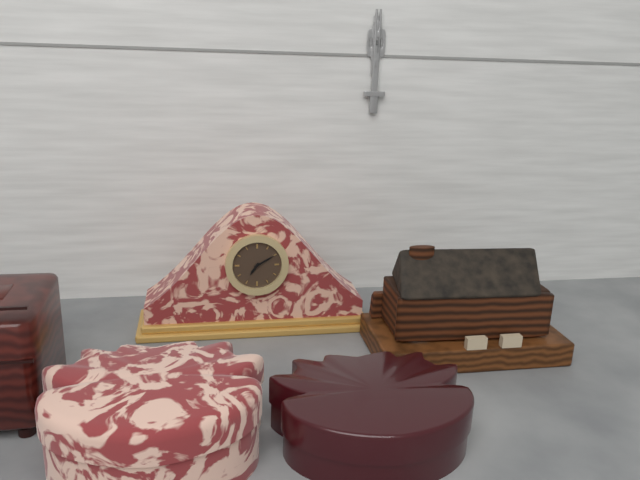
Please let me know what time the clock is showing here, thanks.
7:10
